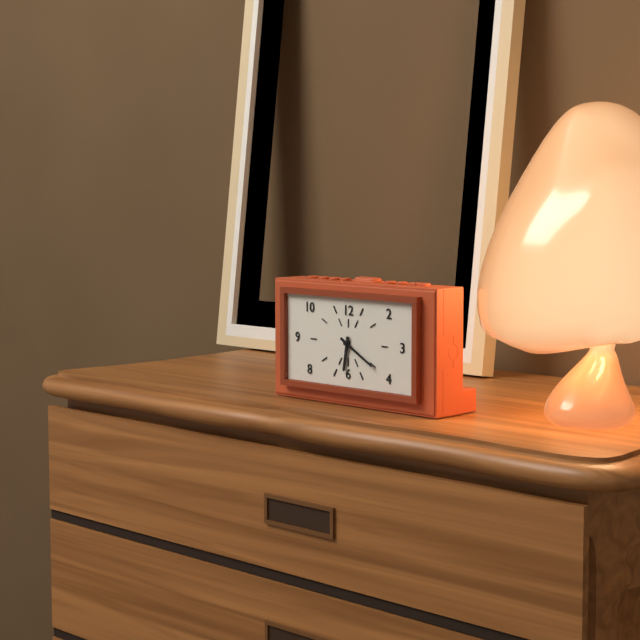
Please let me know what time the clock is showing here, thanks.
6:20
